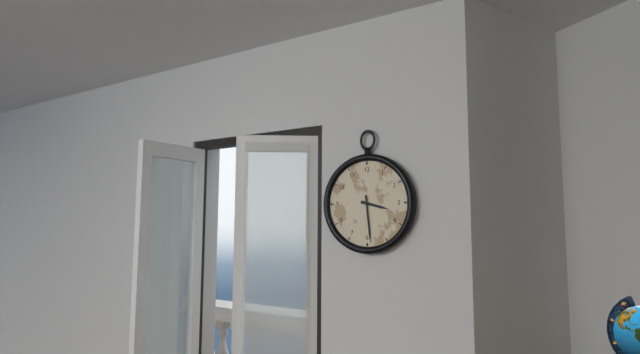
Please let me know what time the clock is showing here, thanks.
3:29
